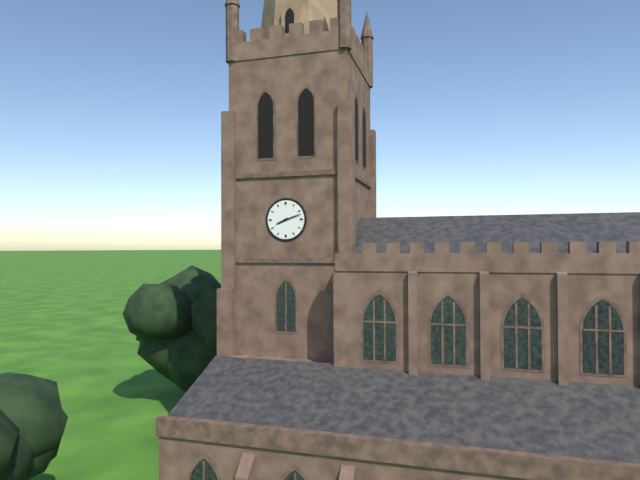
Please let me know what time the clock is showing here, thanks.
8:12
